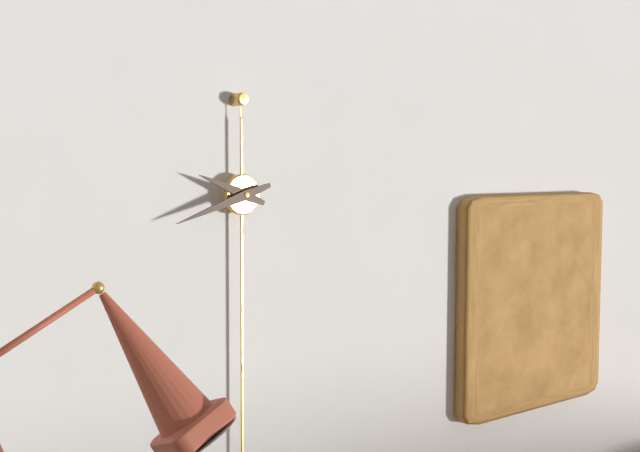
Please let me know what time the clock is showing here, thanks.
9:42
